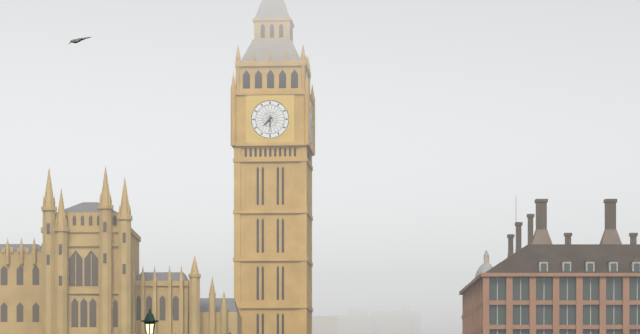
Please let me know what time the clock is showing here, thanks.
7:30
